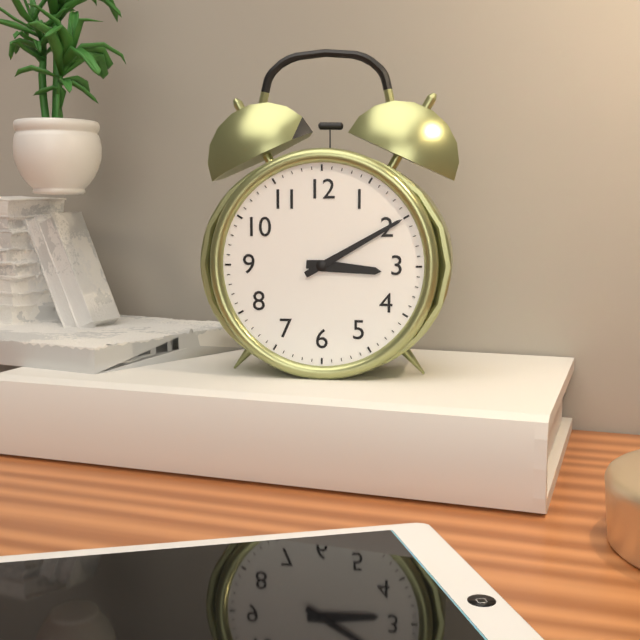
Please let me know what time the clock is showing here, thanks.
3:10
